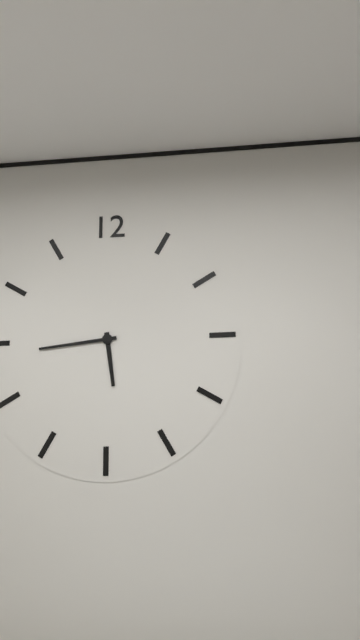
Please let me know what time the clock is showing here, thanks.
5:44
